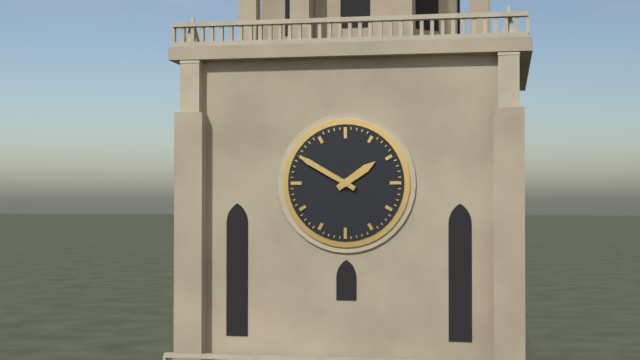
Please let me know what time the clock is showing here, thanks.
1:50
